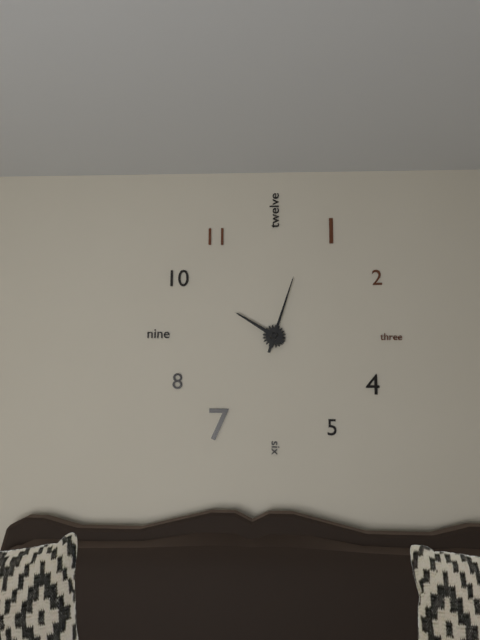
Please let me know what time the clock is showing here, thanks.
10:03
